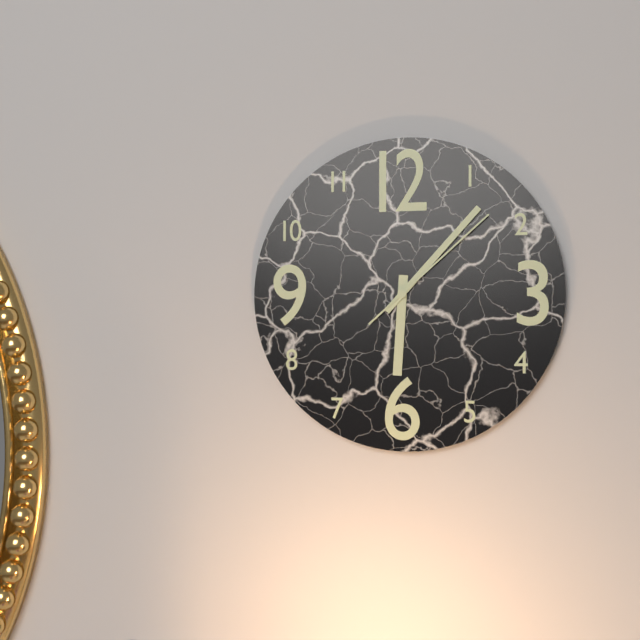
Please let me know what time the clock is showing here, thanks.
6:07:08
